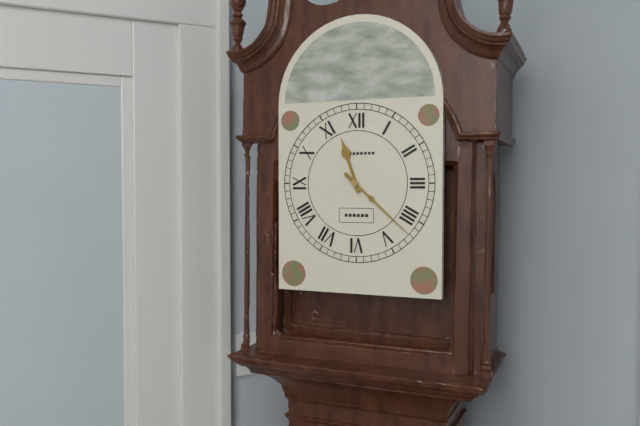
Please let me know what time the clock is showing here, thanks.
11:22
